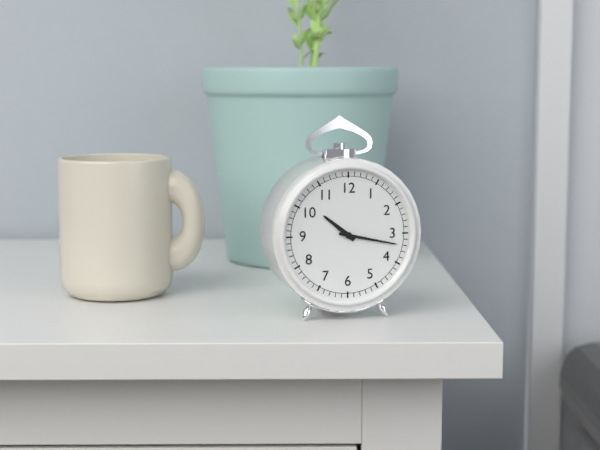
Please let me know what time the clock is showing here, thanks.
10:17
